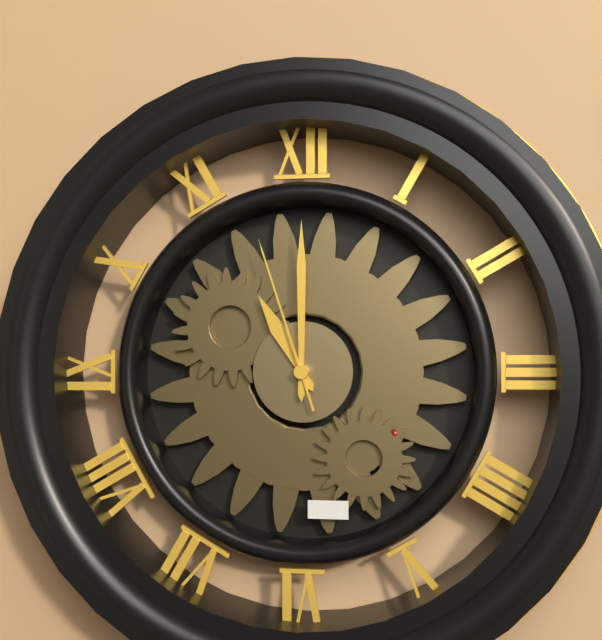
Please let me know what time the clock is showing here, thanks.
11:00:57
